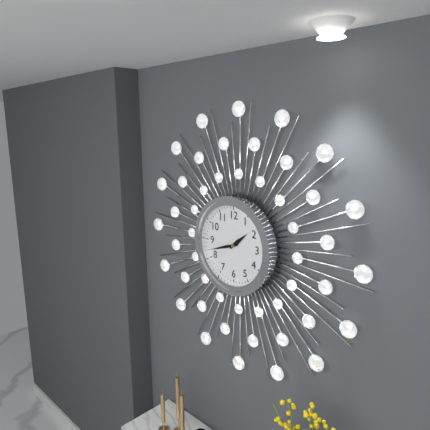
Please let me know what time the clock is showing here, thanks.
1:42
